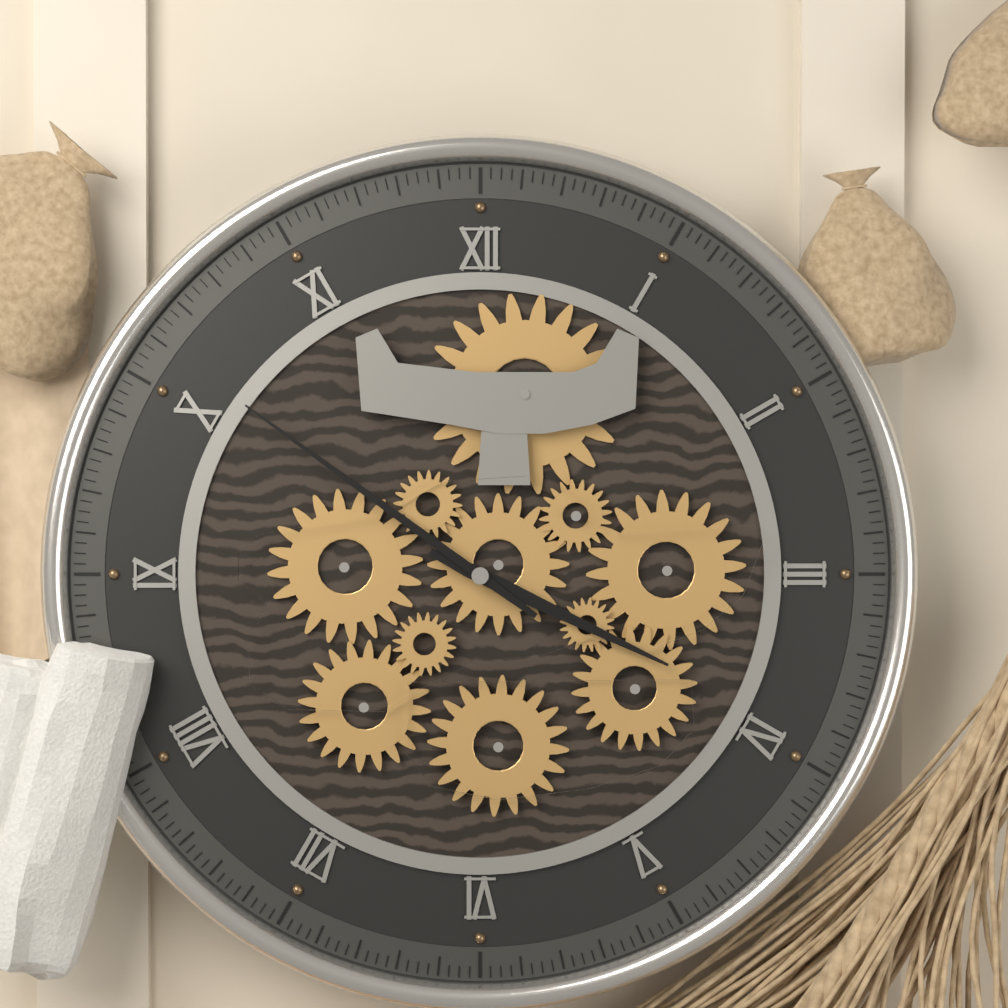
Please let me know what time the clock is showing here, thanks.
3:51
